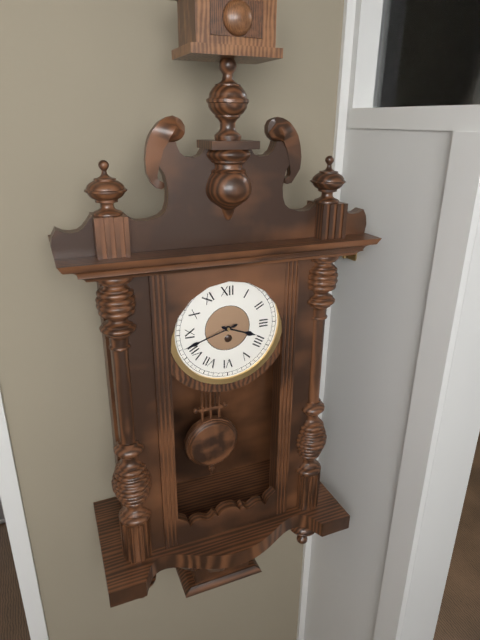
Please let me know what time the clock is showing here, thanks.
3:42
